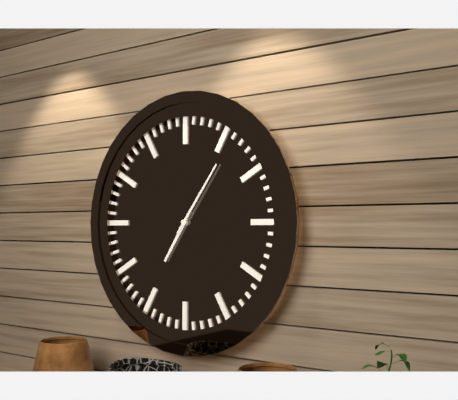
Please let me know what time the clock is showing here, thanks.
7:06
